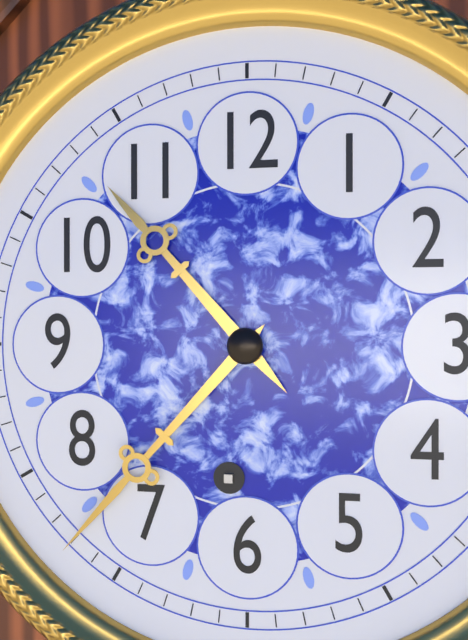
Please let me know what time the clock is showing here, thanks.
10:37
